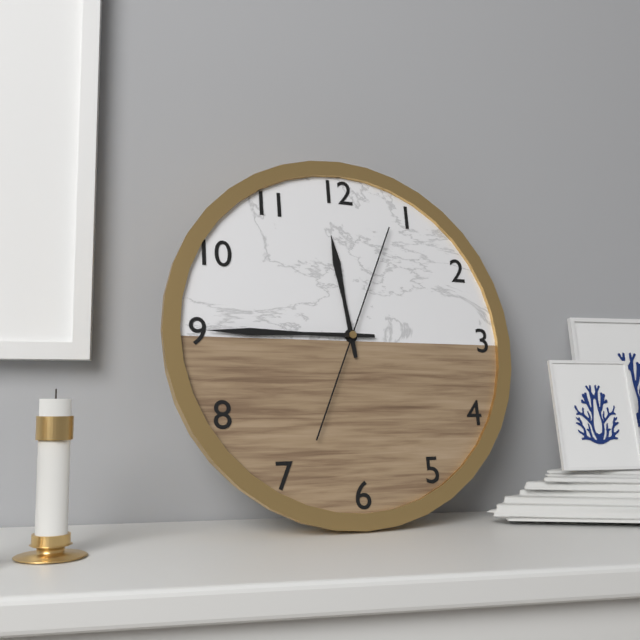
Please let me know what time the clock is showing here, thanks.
11:45:04
